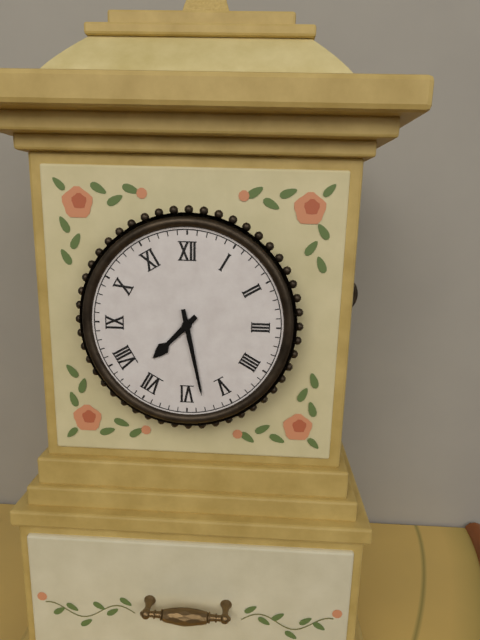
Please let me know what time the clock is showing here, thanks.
7:28
